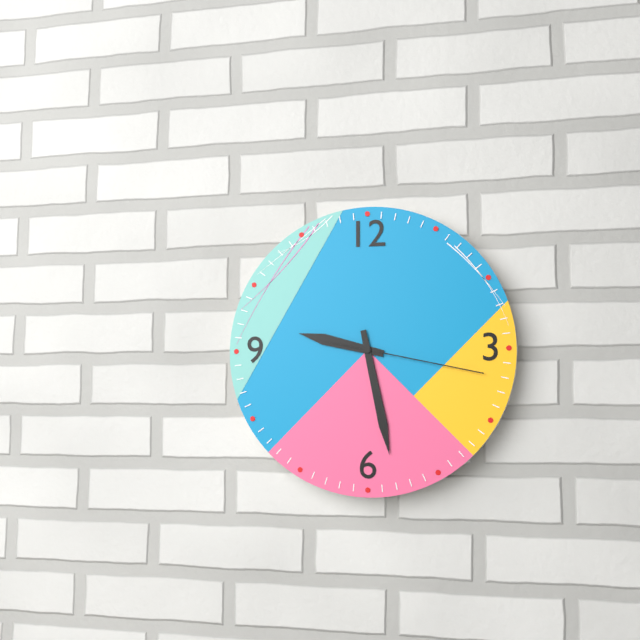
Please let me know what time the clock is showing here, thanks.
9:28:17
